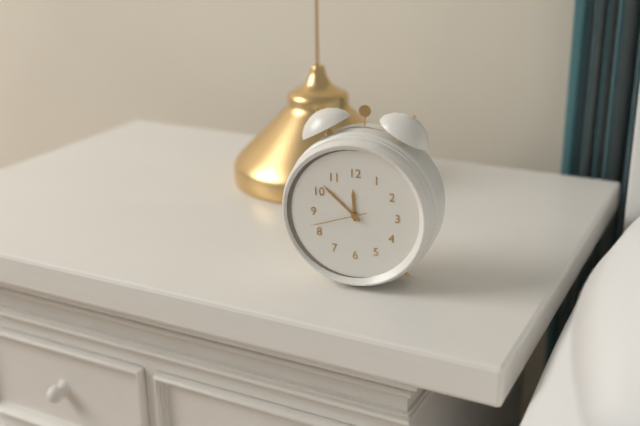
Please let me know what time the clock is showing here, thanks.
11:52:42
